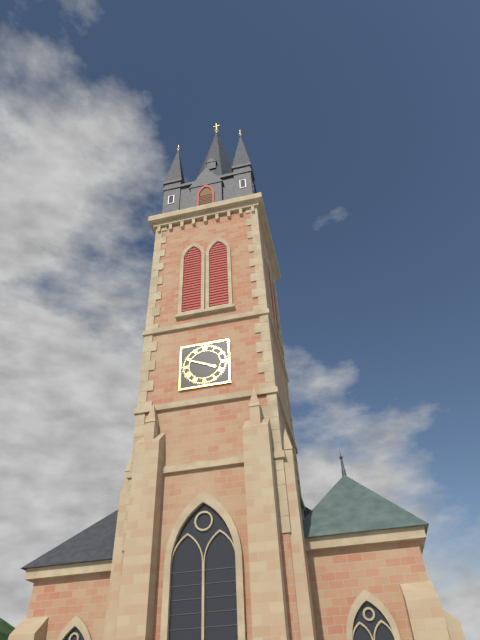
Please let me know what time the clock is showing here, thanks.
3:49
